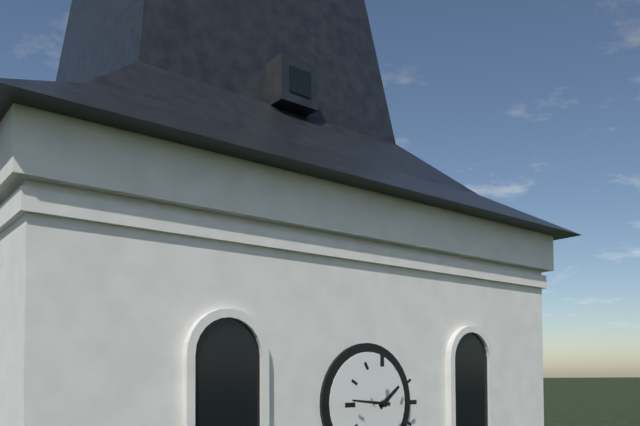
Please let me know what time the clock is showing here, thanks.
1:46
